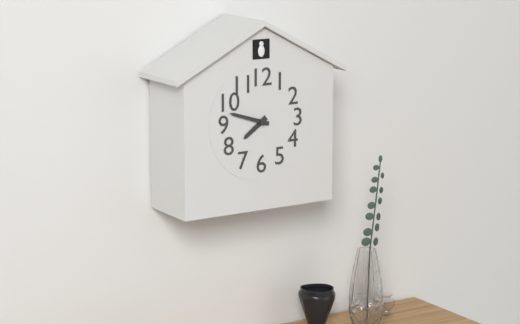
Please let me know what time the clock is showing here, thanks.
7:48
